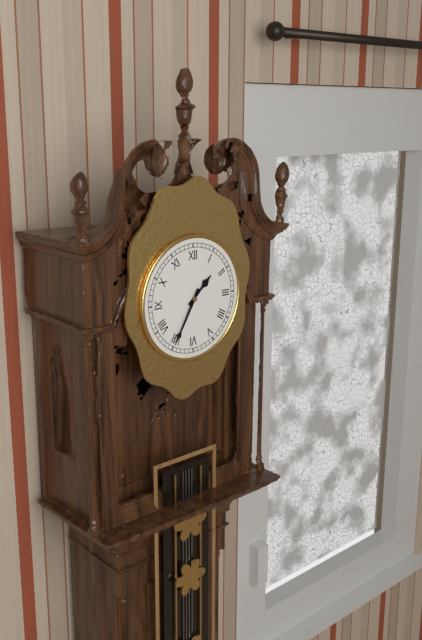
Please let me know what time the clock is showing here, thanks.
1:35
